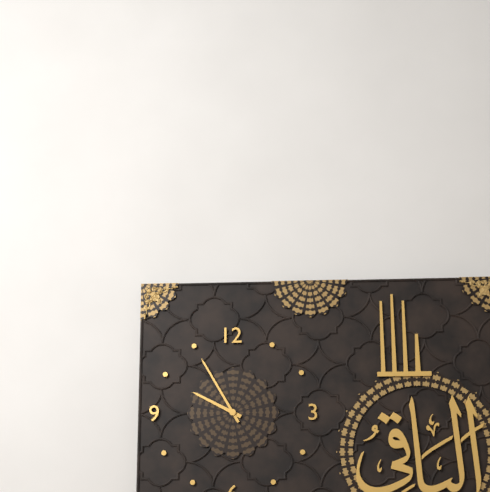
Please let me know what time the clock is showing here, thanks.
9:55
